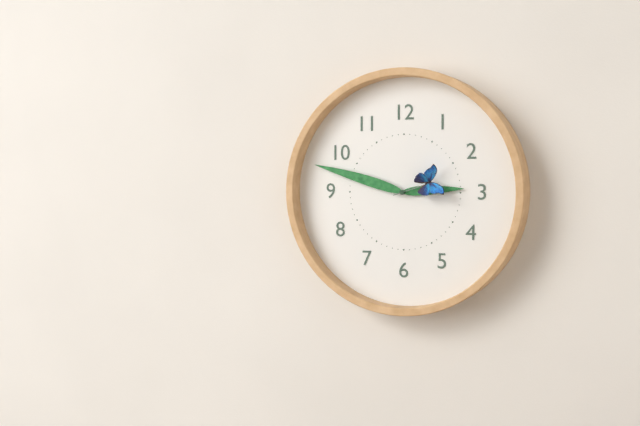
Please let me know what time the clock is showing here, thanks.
2:48:12
